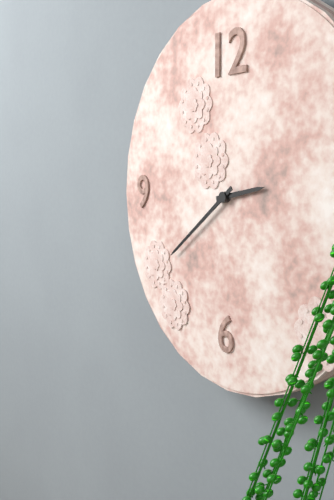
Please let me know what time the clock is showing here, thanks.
2:39
